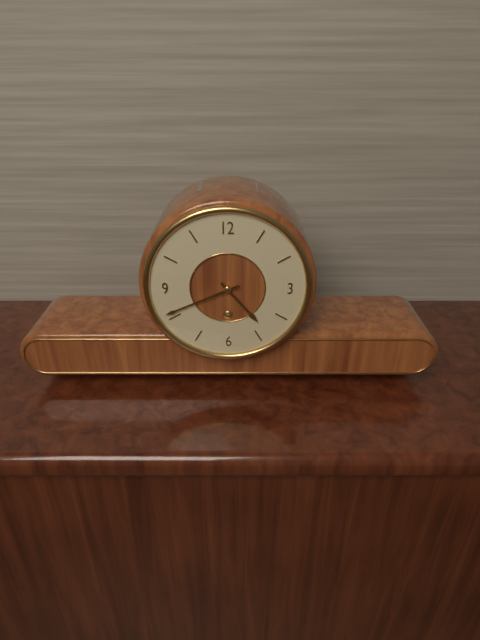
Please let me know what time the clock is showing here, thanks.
4:41
